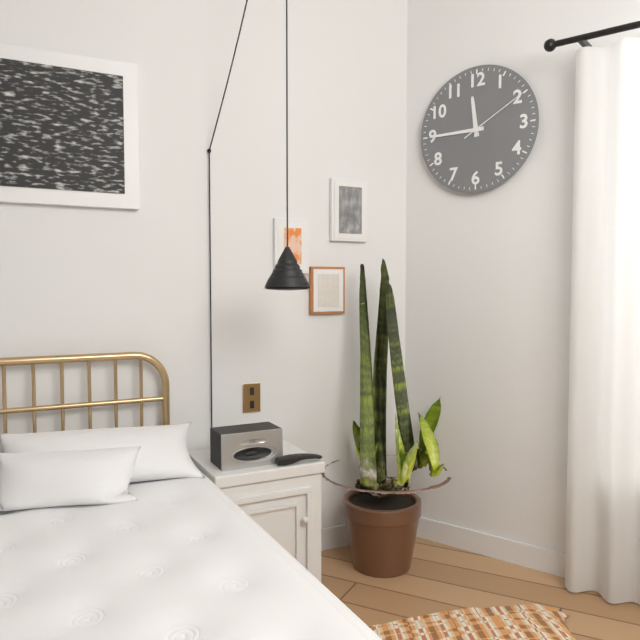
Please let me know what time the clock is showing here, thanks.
11:45:10
